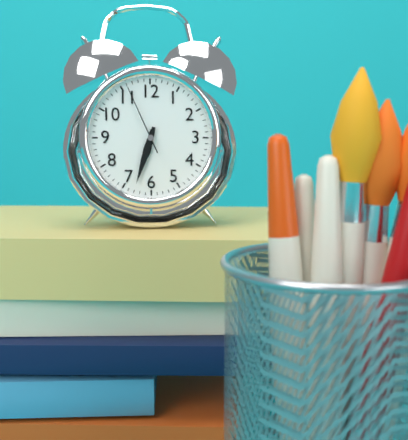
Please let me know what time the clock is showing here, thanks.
6:33:56
